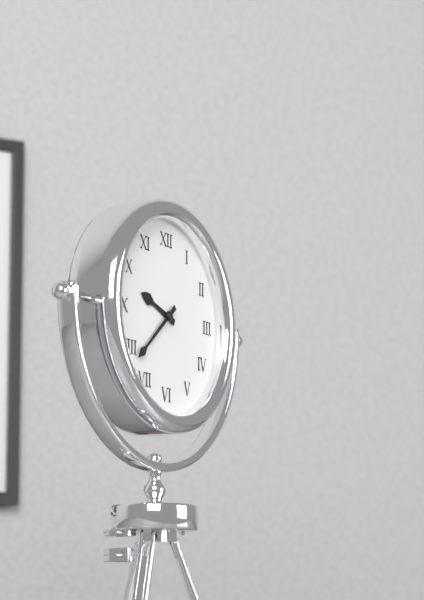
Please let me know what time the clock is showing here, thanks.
9:38
